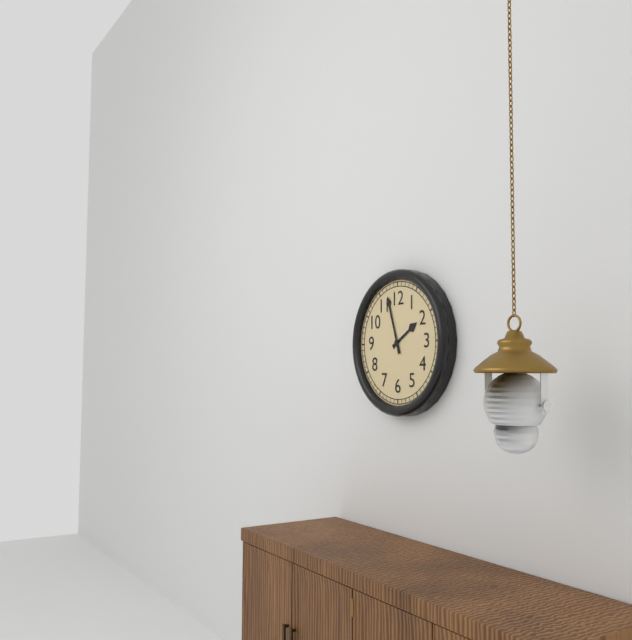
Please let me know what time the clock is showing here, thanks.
1:57
